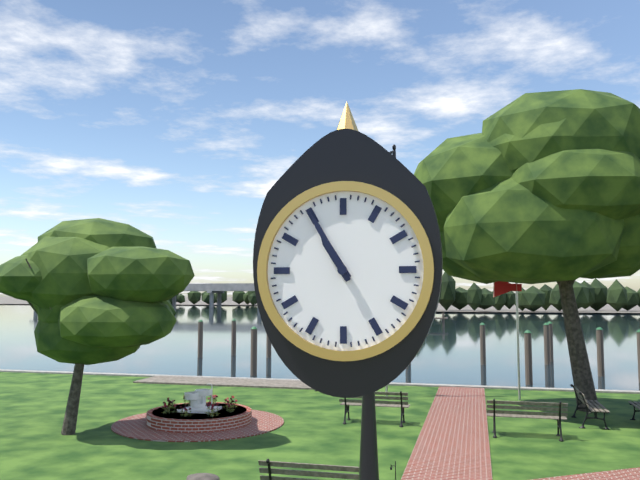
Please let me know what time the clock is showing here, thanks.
10:55
